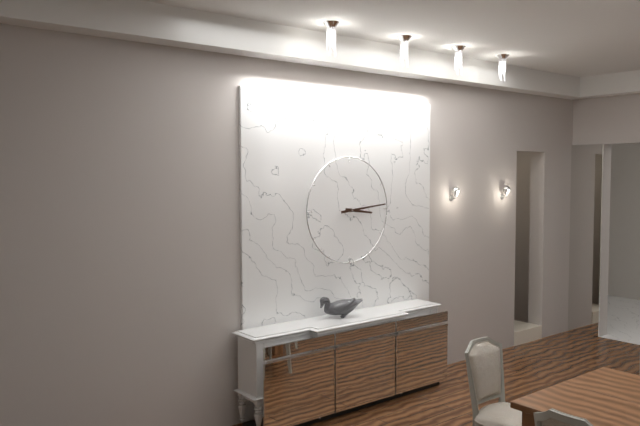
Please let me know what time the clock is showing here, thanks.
3:14
